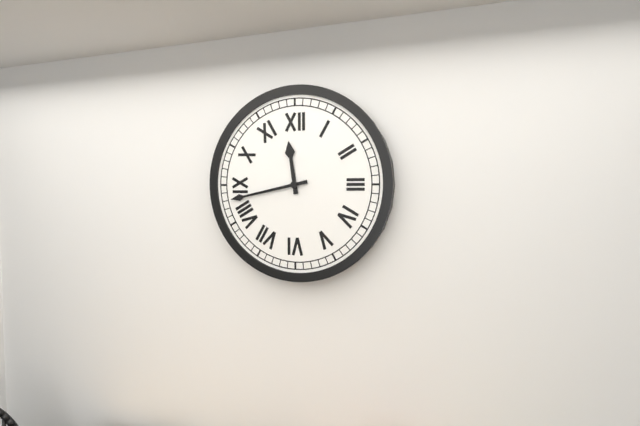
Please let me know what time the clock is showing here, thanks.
11:43
